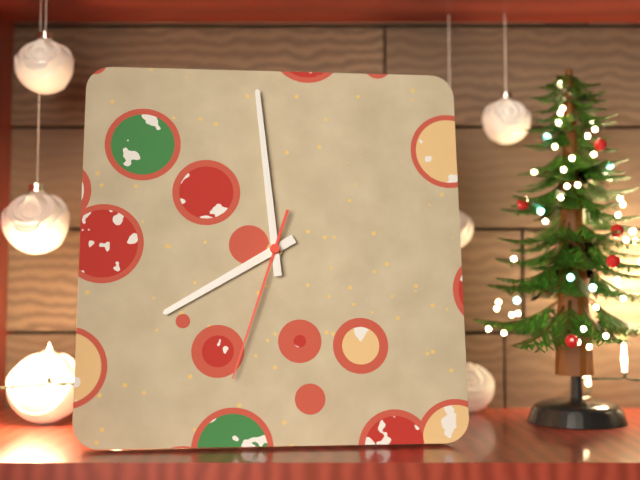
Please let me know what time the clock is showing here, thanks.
7:59:33
